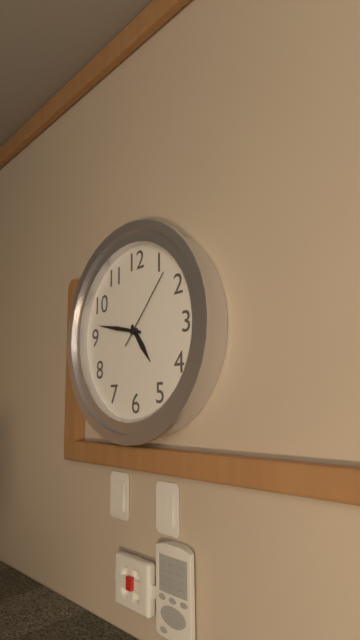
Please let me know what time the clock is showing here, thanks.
4:47:07
